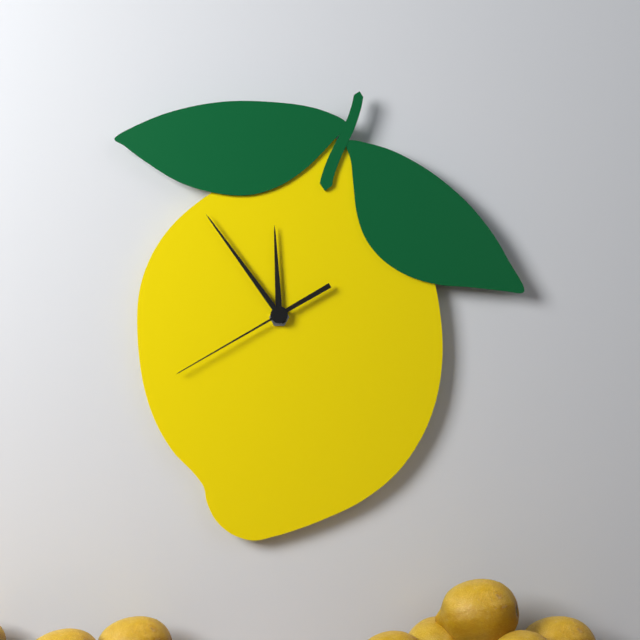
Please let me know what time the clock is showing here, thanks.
11:54:40
